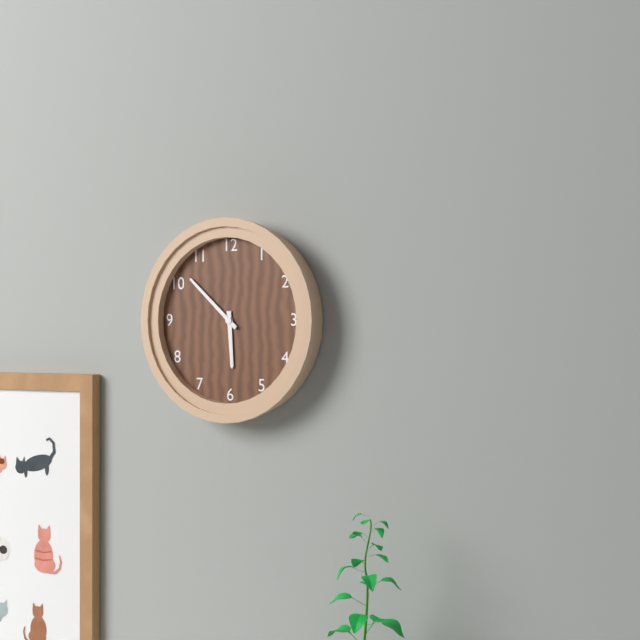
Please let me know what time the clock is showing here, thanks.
5:52
